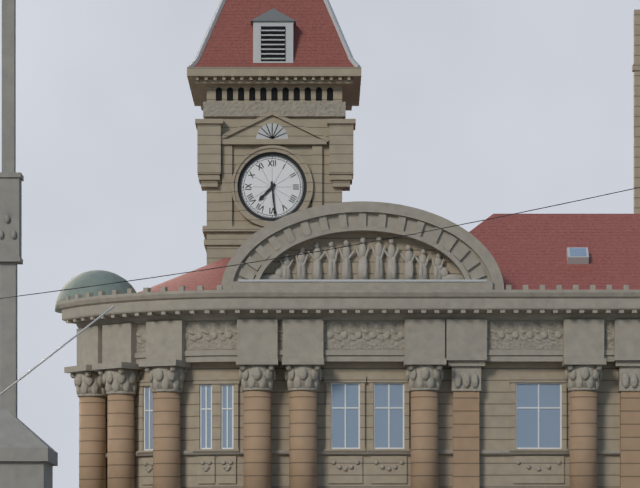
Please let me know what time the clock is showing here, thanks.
7:29
